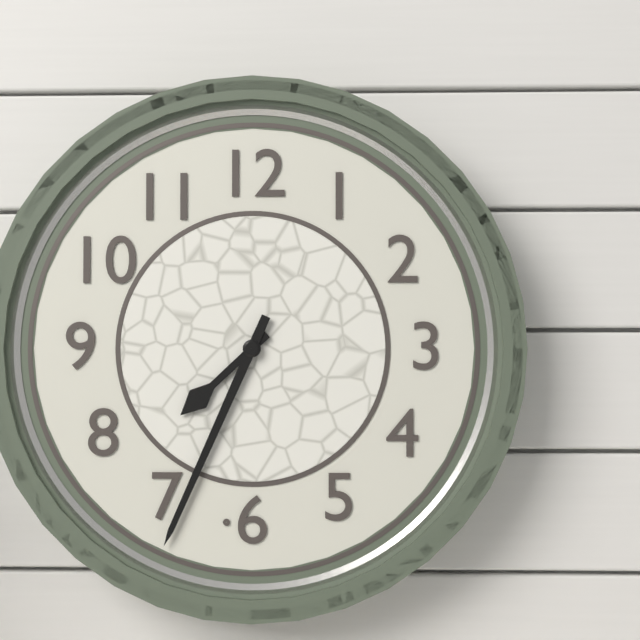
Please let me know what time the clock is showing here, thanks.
7:34
